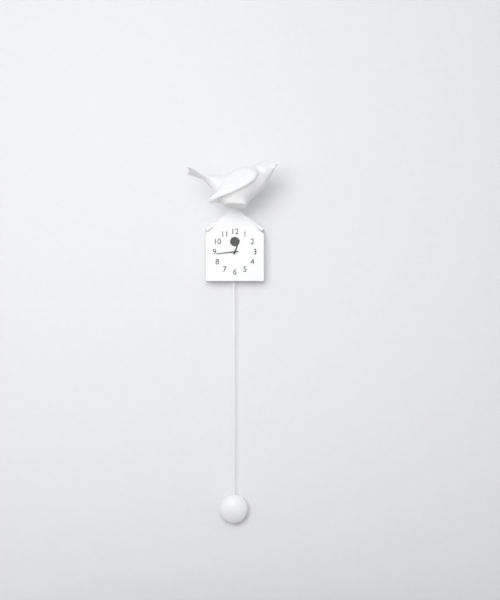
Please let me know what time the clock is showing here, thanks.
12:44
